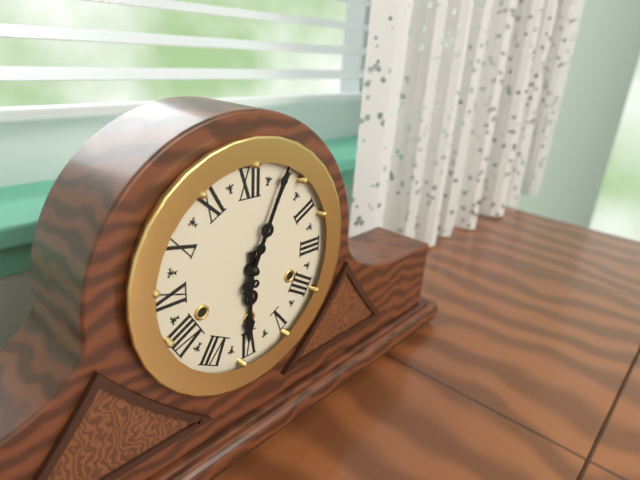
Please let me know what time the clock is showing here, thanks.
6:04
